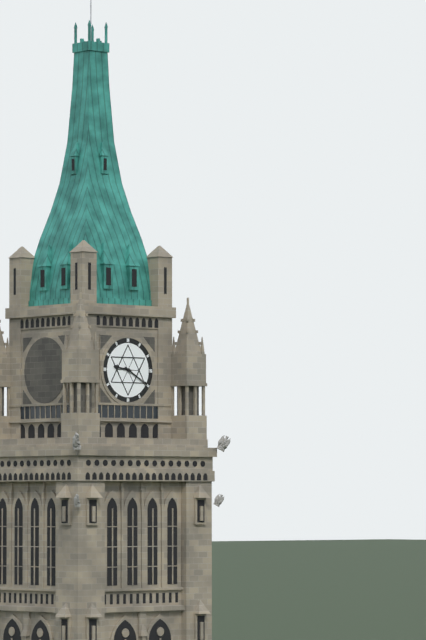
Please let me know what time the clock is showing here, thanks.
9:20
